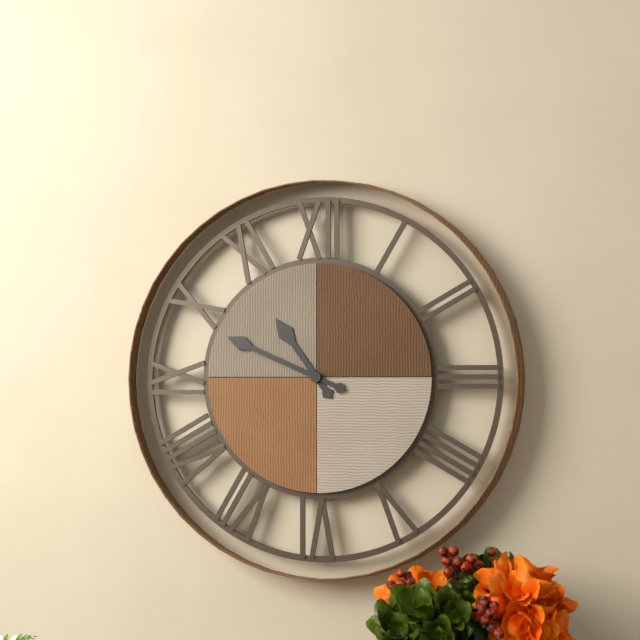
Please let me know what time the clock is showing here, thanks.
10:49
